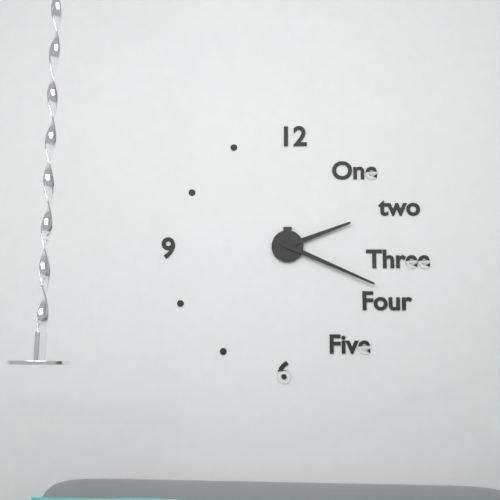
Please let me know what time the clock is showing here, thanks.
2:19
